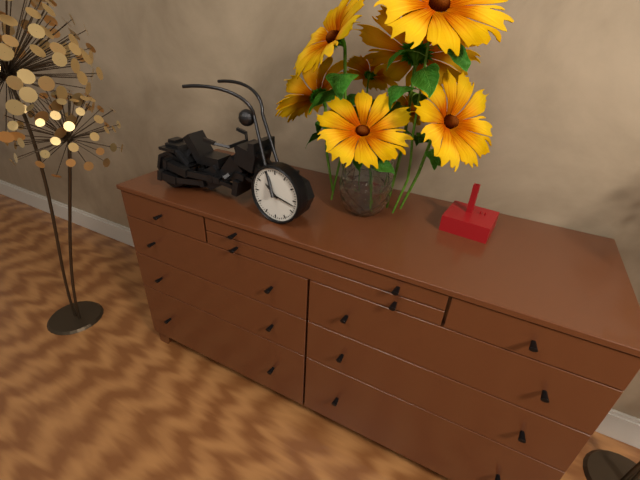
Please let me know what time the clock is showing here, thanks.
10:17
